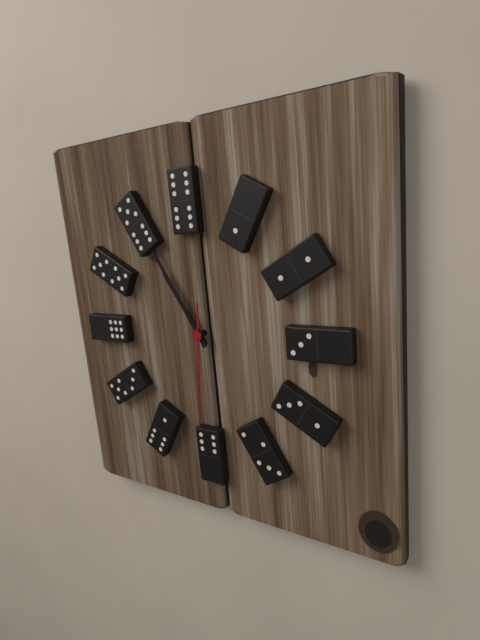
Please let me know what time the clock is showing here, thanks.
10:55:31
